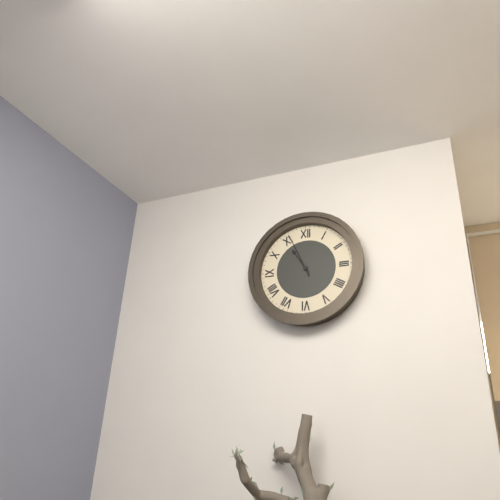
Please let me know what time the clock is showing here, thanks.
10:56
